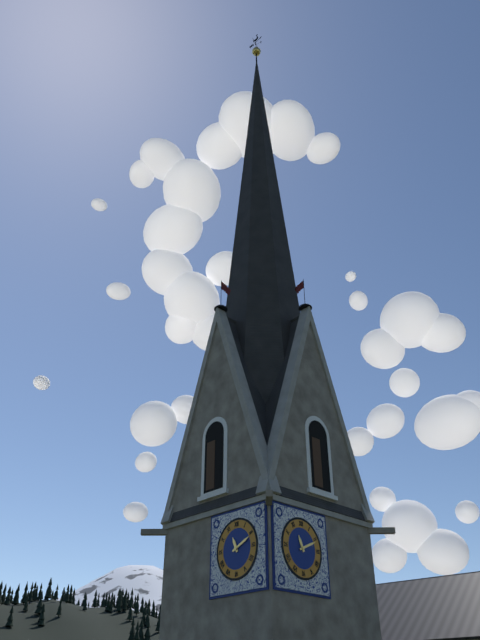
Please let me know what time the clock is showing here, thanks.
11:11
